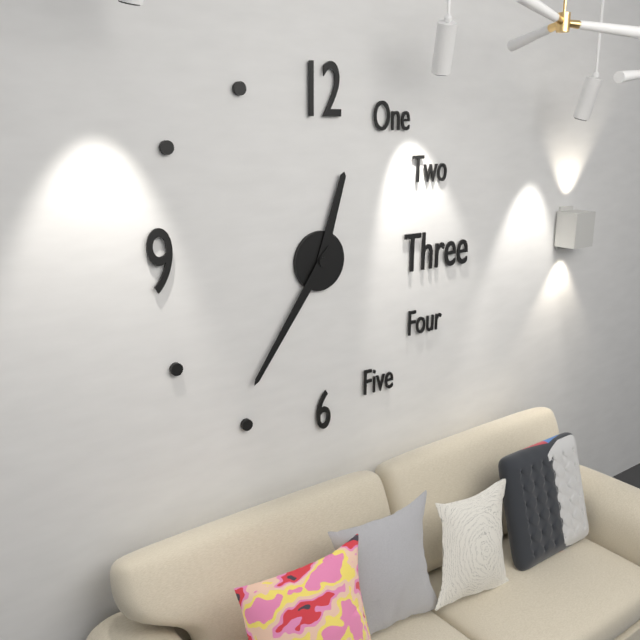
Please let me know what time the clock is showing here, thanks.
12:36
